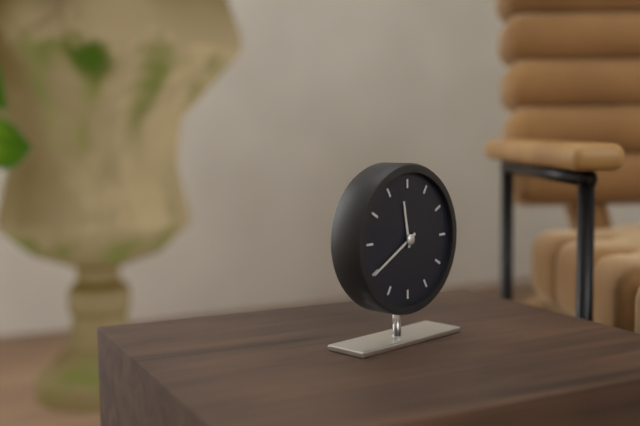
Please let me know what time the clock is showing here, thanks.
11:40
